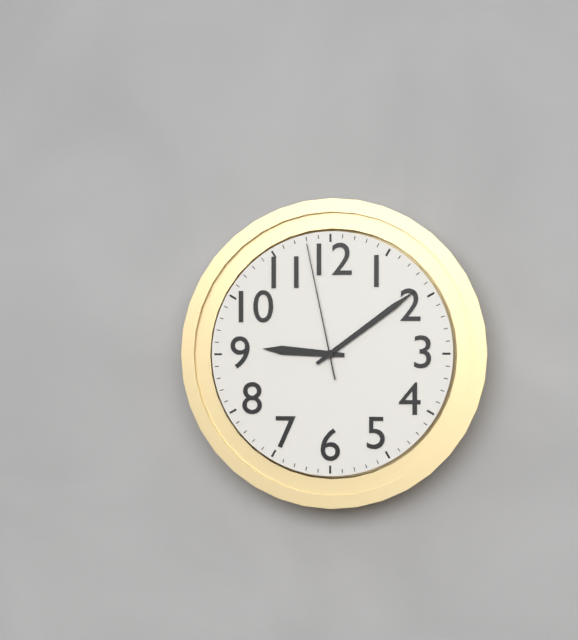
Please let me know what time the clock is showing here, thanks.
9:09:58
